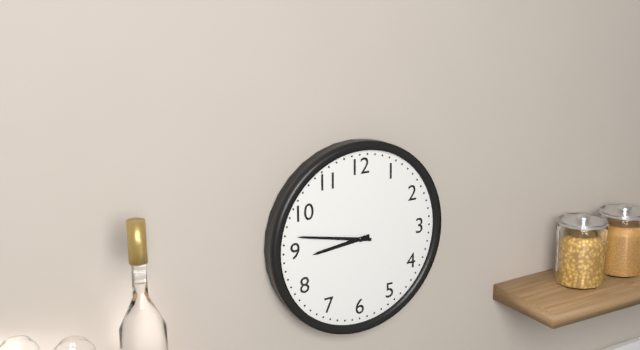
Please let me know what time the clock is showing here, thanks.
8:47
